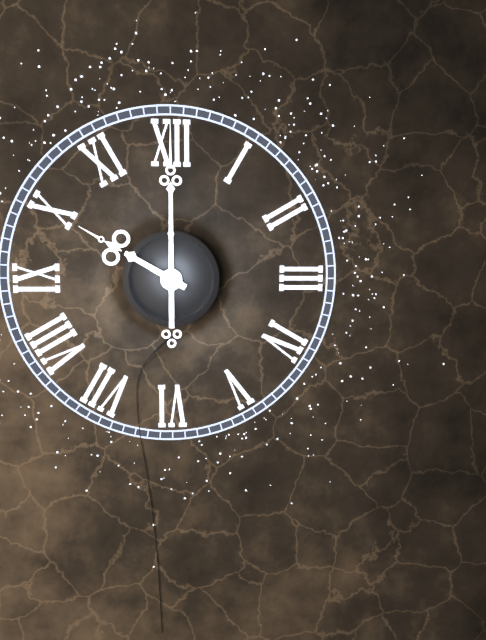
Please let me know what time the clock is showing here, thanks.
10:00
